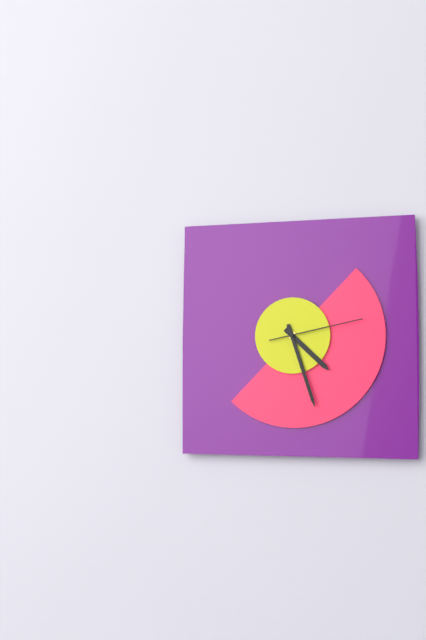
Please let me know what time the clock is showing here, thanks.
4:27:13
